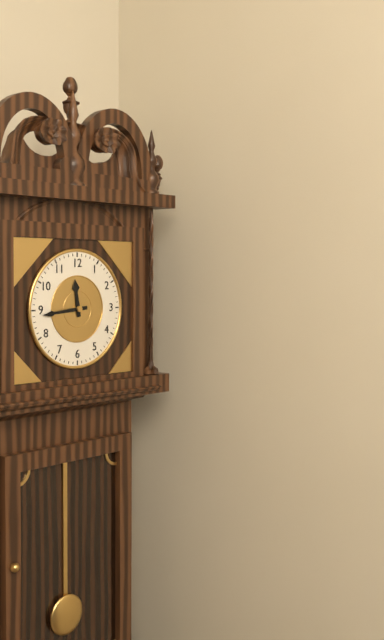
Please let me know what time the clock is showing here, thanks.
11:44
